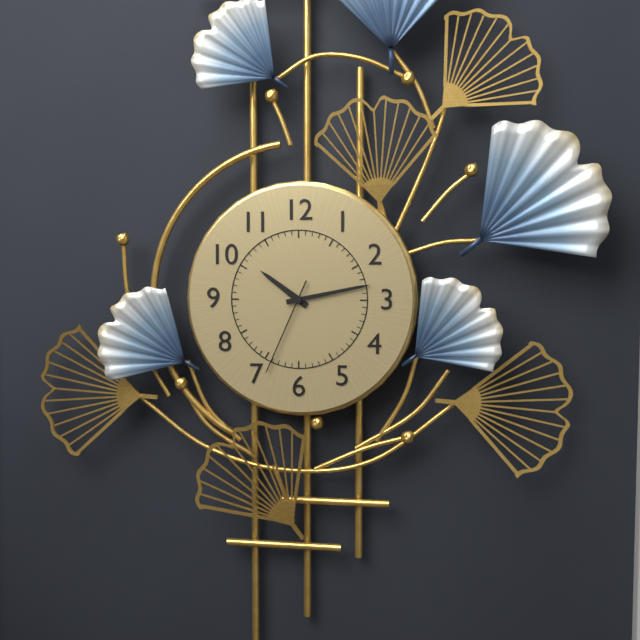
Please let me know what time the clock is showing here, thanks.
10:13:34
